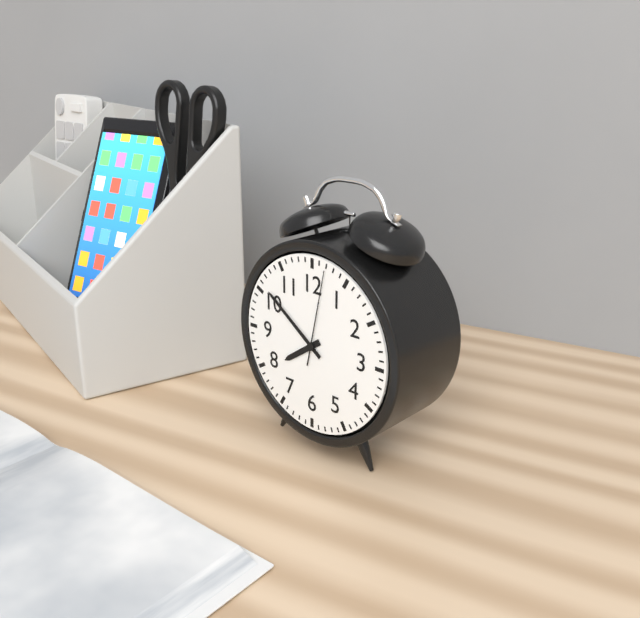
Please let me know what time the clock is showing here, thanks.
7:51:02
